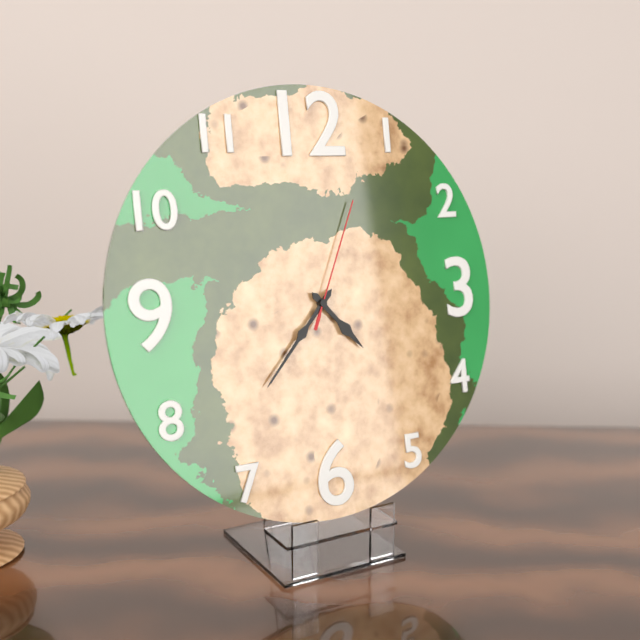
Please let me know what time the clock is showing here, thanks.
4:37:04
